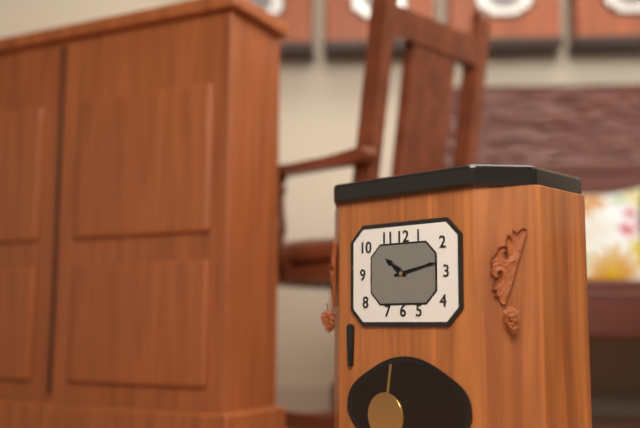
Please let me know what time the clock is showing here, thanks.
10:13
